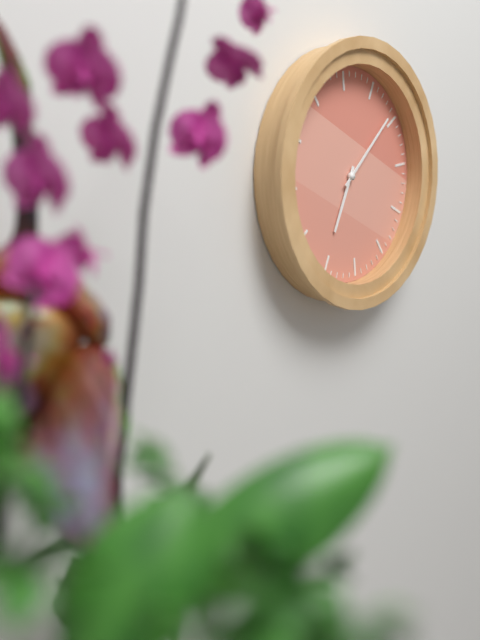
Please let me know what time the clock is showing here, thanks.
6:04
